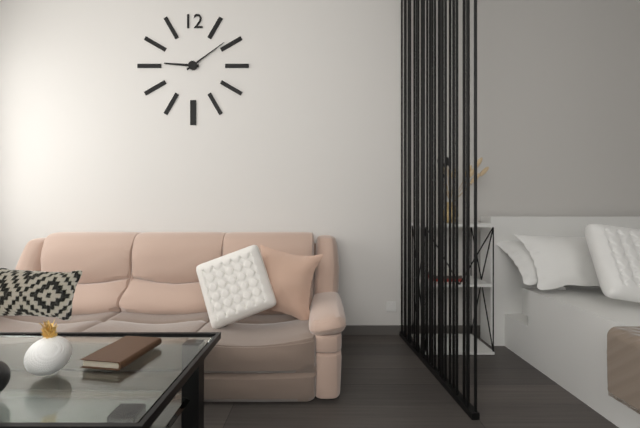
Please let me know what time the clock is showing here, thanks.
9:09
